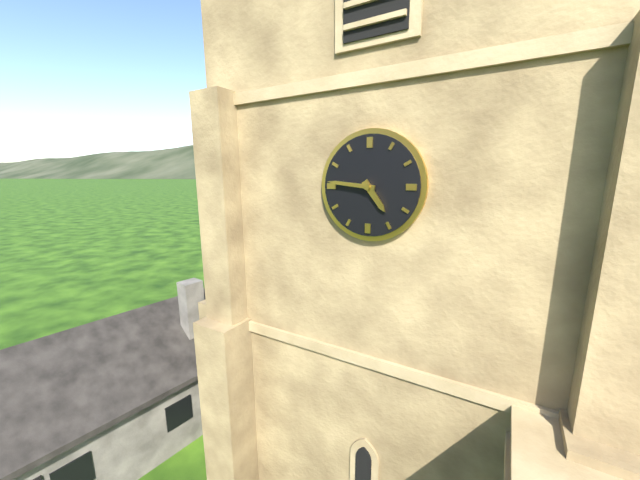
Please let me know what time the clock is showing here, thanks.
4:46
